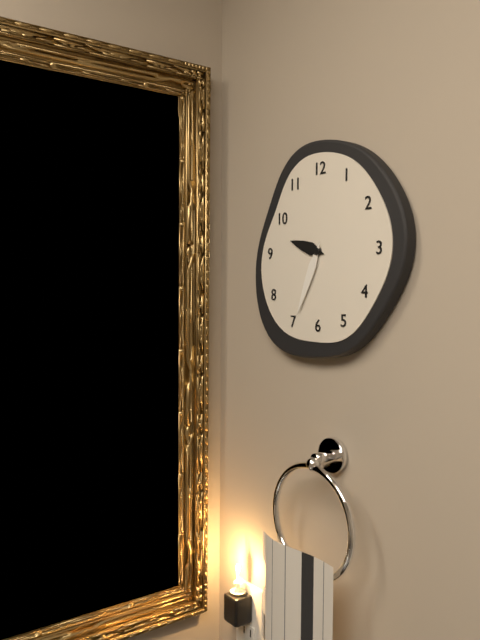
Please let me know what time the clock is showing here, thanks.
9:34
